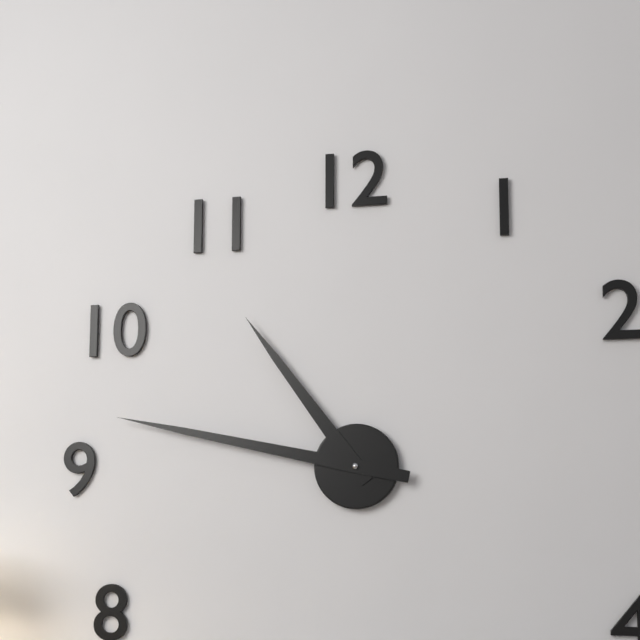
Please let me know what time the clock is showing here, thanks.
10:47
